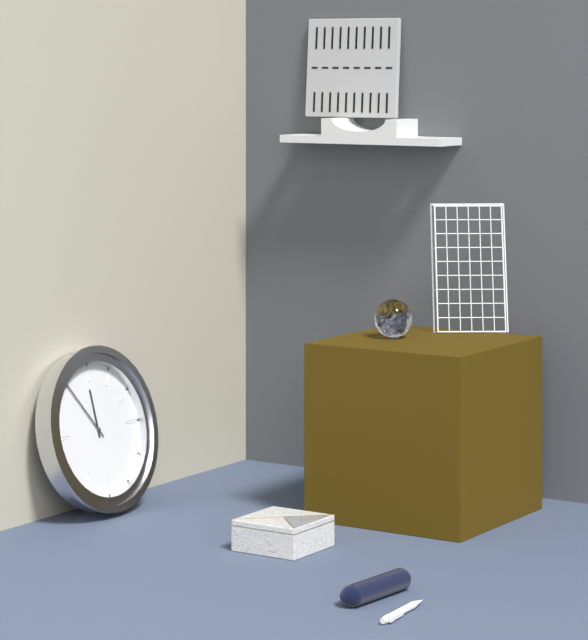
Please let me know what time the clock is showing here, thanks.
11:54
